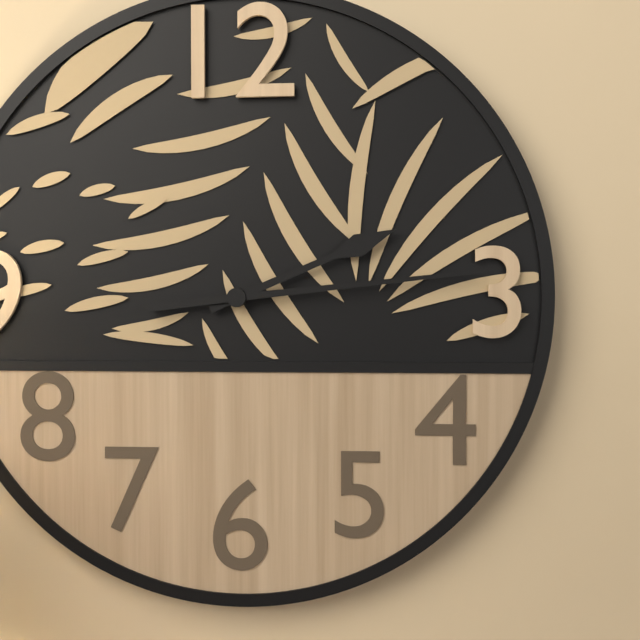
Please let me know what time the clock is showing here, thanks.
2:14
